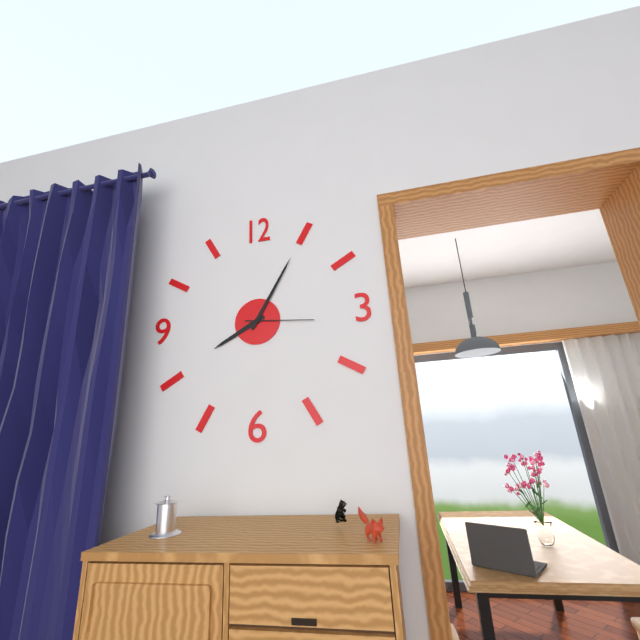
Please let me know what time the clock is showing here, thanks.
8:05:16
